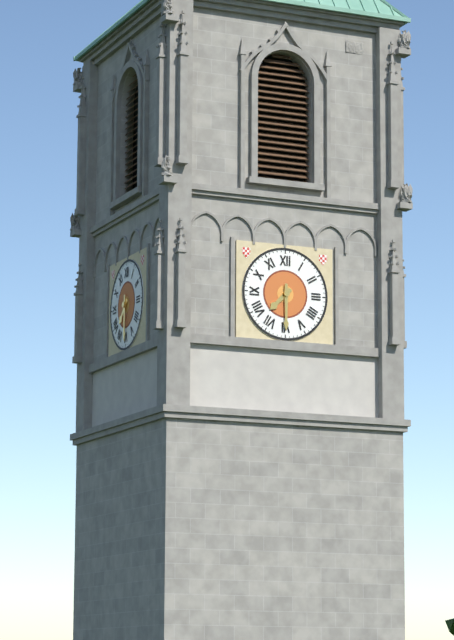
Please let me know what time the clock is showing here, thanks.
7:30
